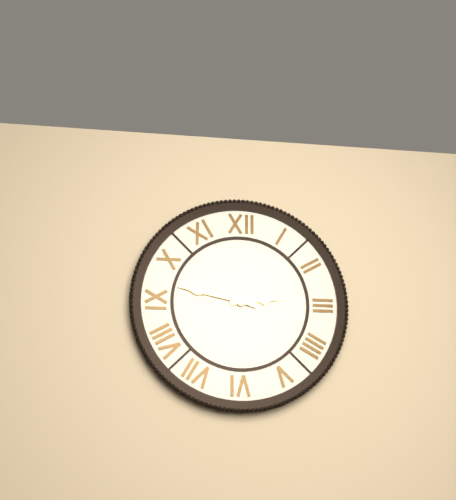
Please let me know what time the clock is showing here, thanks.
2:47
